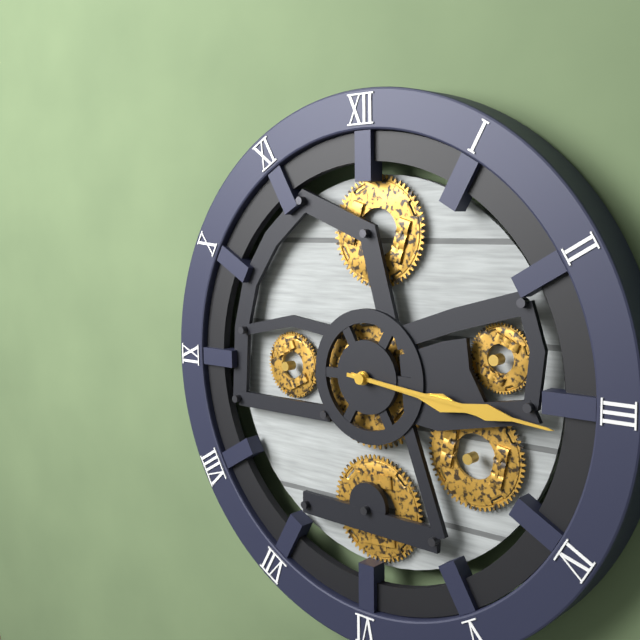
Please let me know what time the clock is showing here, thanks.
3:16
